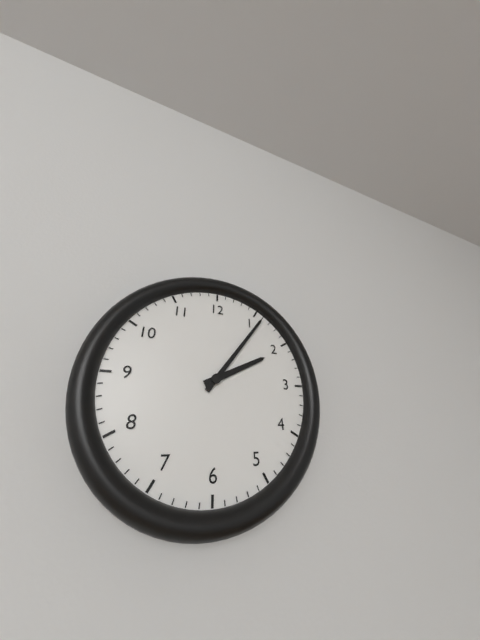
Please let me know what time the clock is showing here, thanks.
2:06
